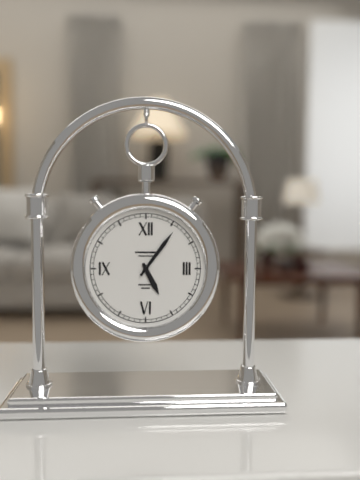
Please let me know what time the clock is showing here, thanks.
5:06
